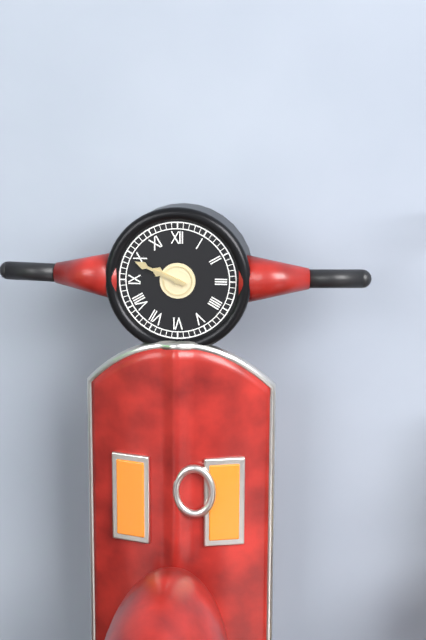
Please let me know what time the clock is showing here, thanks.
9:49
